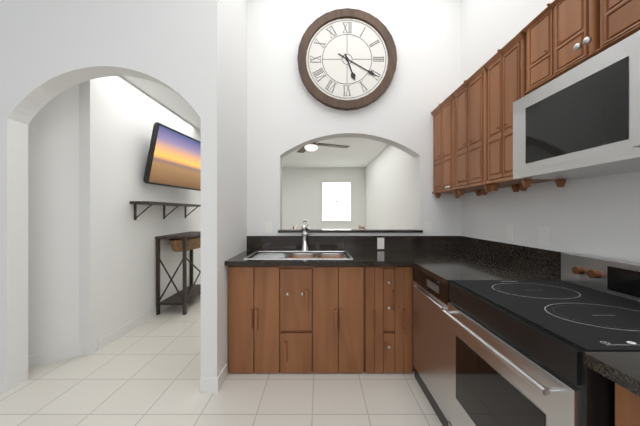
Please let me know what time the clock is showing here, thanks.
5:20
